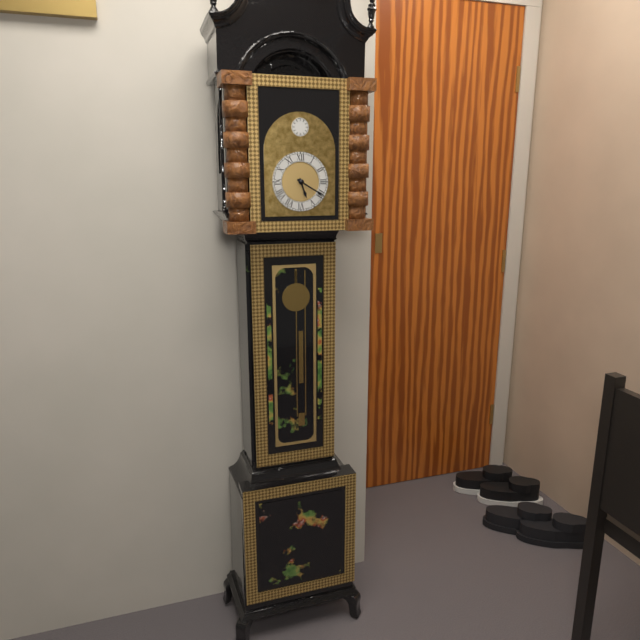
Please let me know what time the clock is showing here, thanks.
5:20
